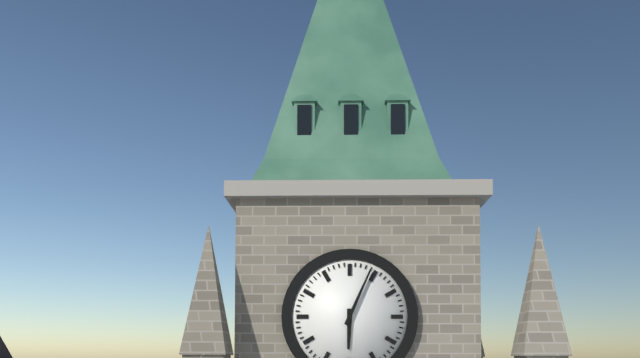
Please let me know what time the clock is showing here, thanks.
6:04
